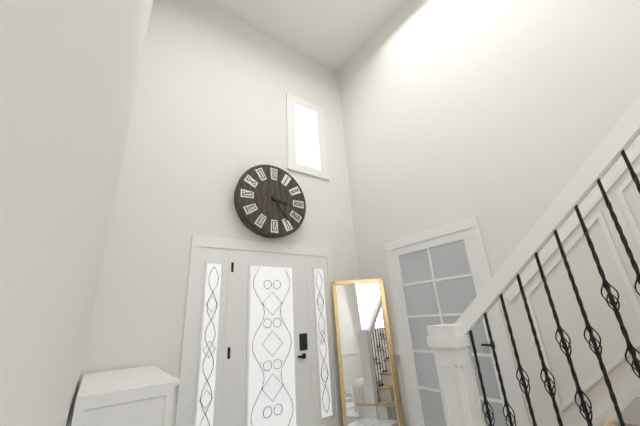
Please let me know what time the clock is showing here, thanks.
3:24
